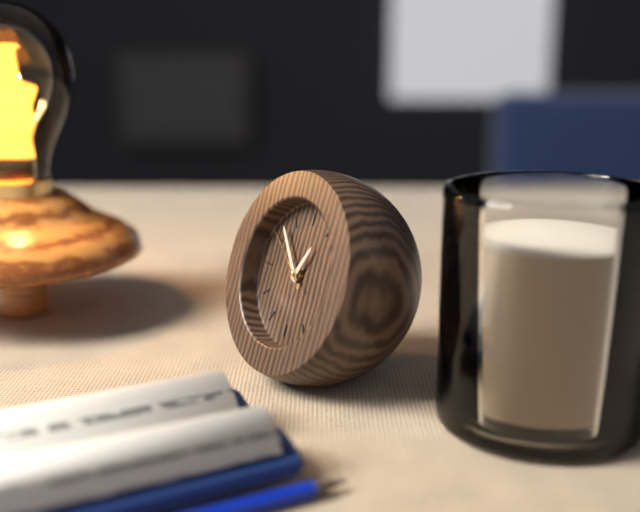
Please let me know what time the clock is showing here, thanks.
12:53:51
